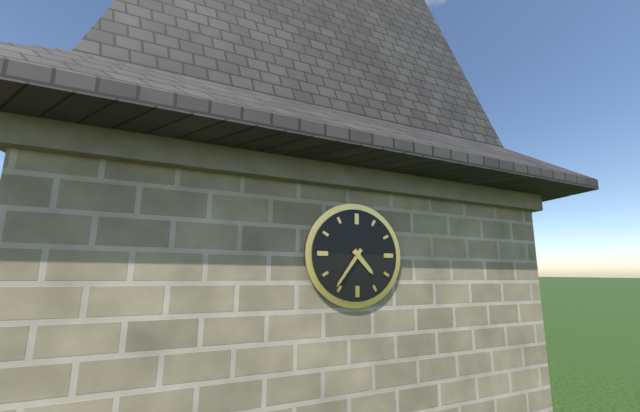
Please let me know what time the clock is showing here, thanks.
4:36
